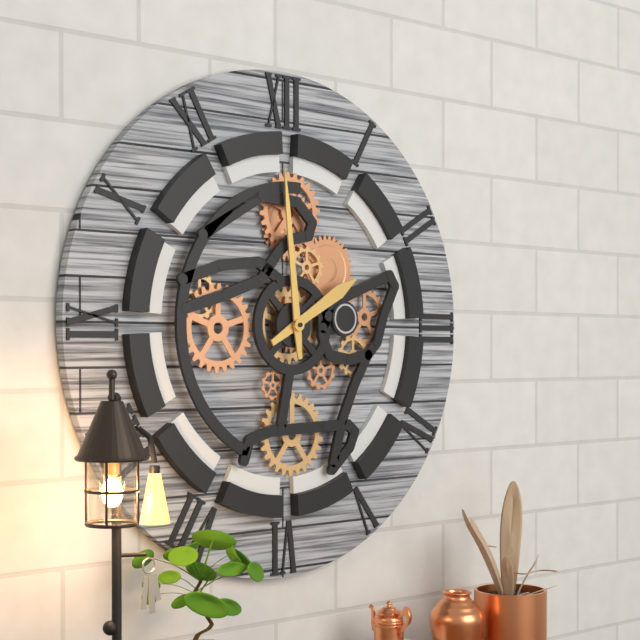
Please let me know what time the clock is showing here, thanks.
1:59
